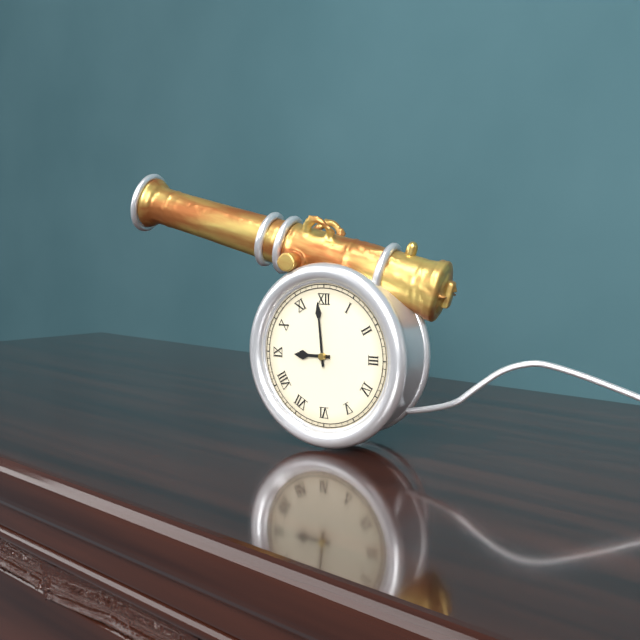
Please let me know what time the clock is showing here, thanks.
8:59
